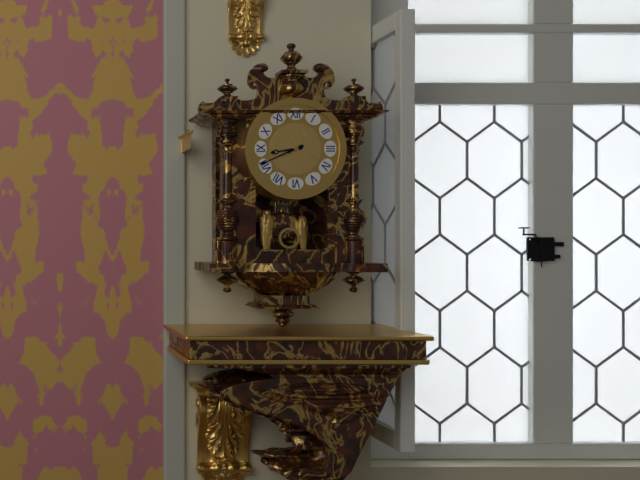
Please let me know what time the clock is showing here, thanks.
8:41
